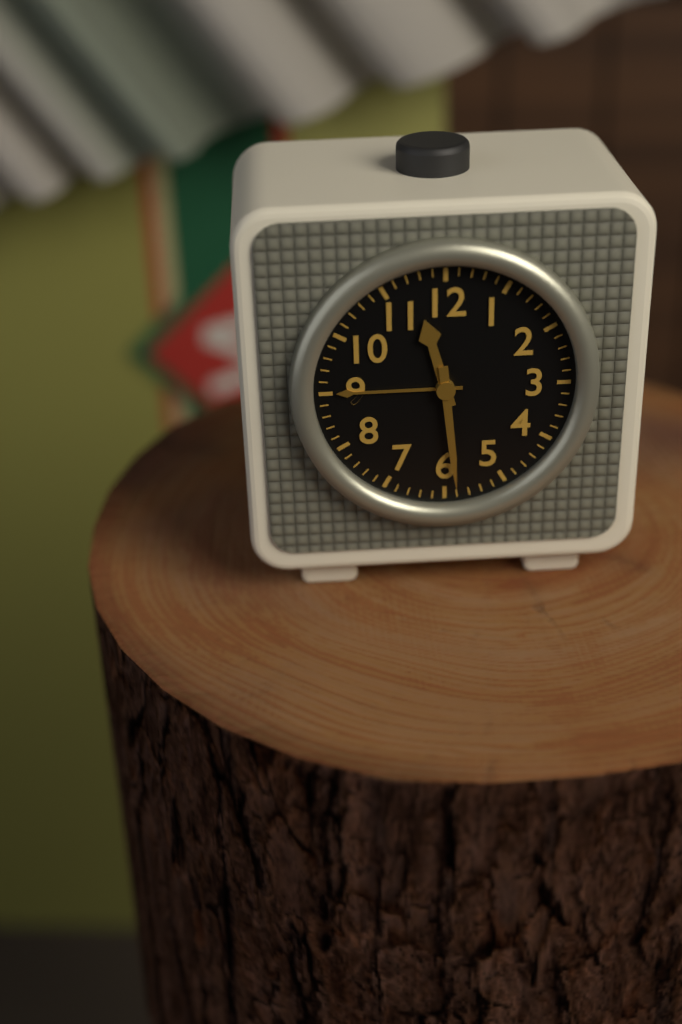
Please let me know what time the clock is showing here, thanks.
11:29
